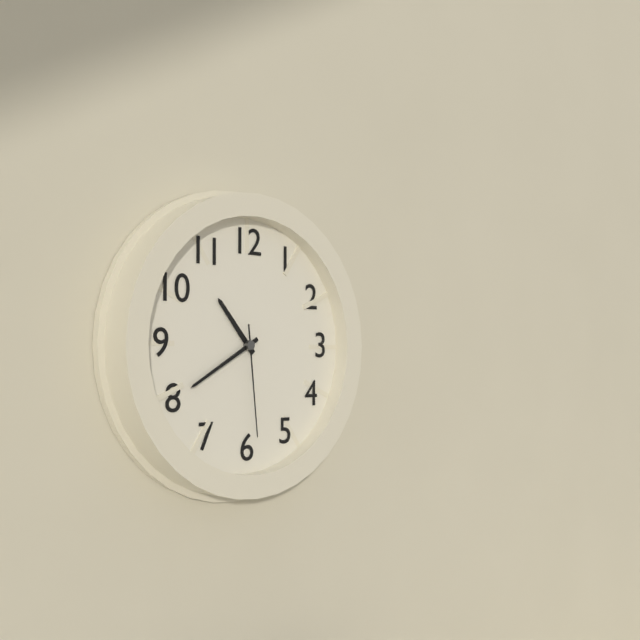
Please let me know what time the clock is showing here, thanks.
10:40:29
